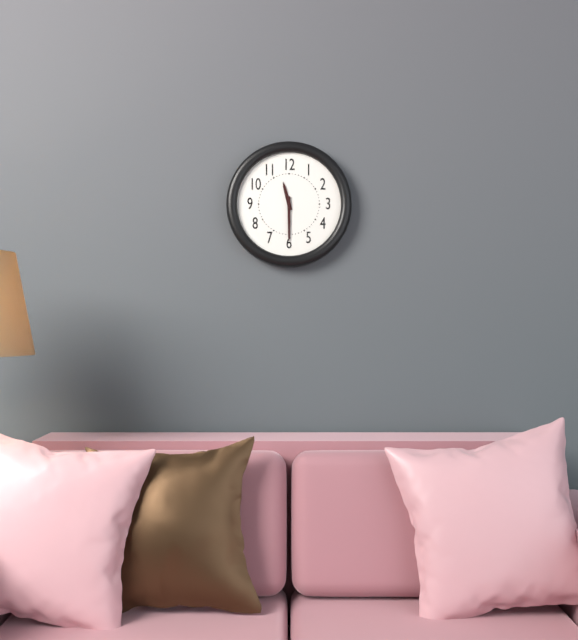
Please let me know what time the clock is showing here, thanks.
11:30
